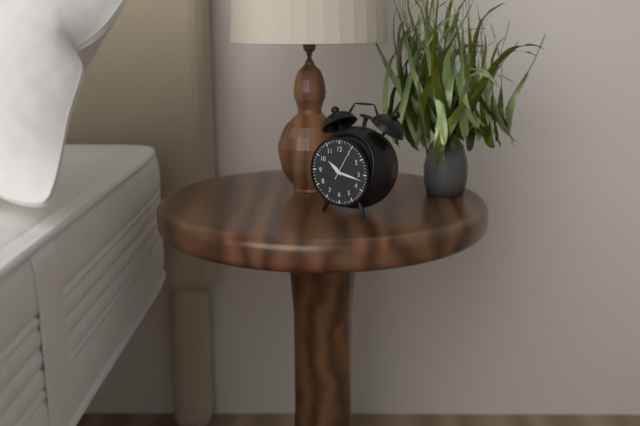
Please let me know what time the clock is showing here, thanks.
10:17
